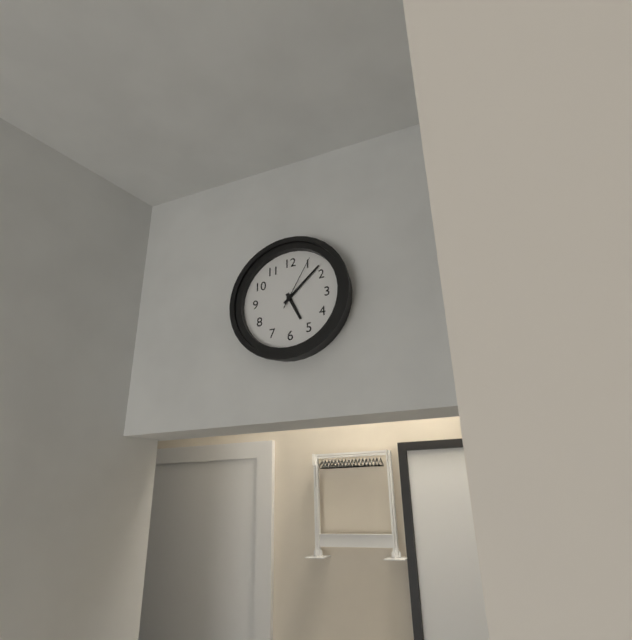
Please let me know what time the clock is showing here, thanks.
5:08:05
